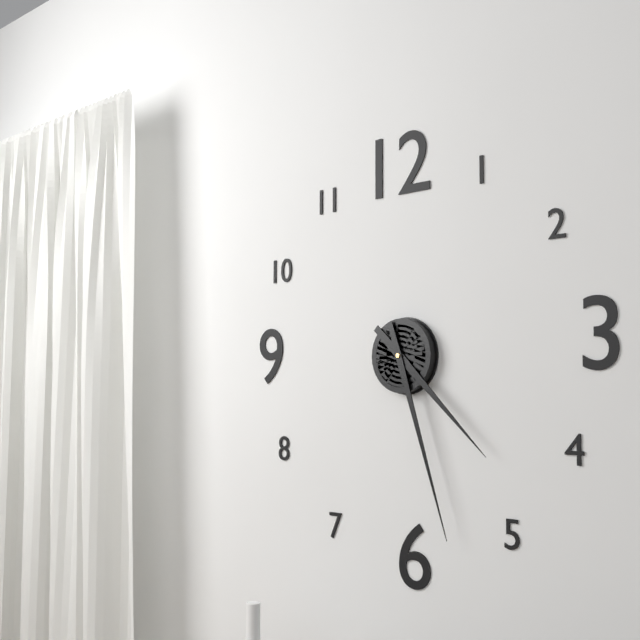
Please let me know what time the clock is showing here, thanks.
4:27
